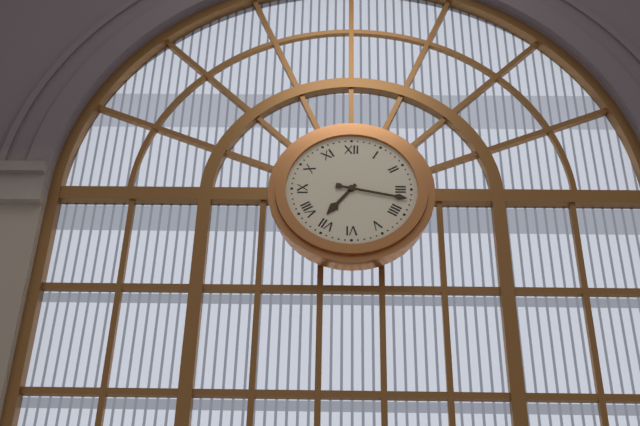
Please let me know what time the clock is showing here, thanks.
7:17
